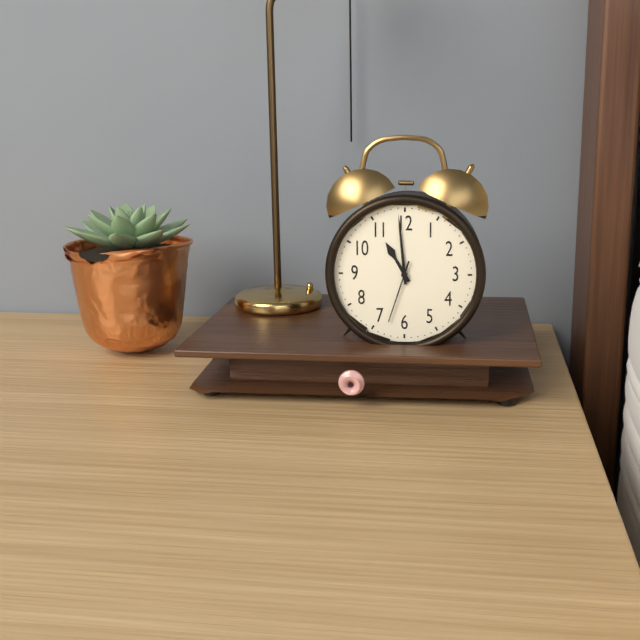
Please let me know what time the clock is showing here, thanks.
10:59:33
